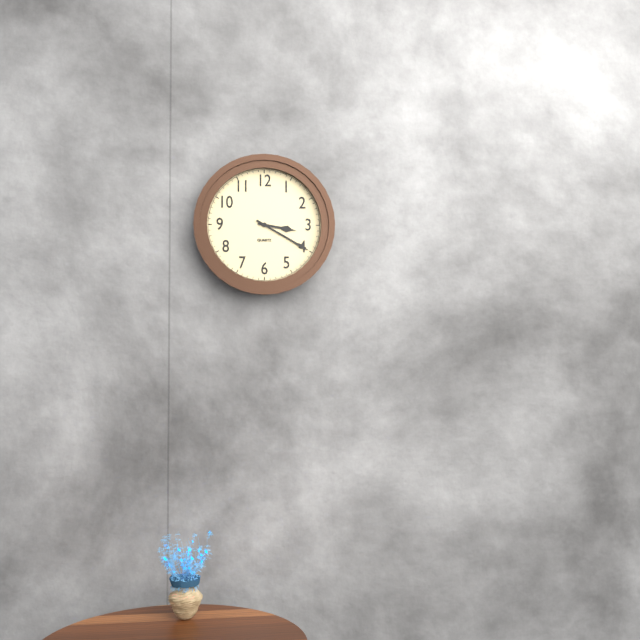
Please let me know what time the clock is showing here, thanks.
3:20
